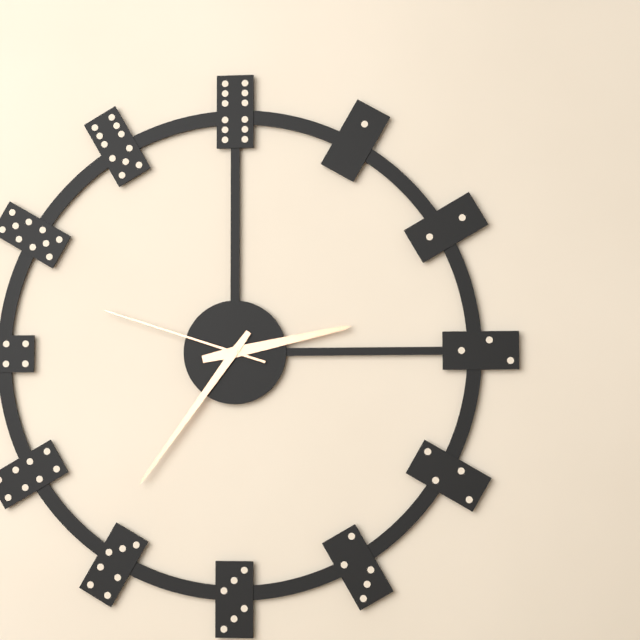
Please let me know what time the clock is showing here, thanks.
2:36:48
